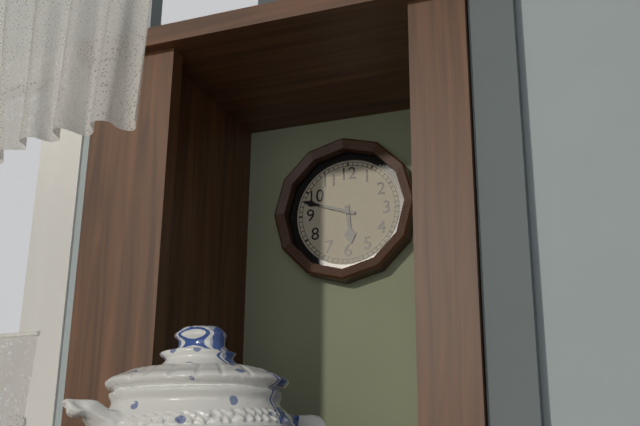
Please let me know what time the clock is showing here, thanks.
5:48
